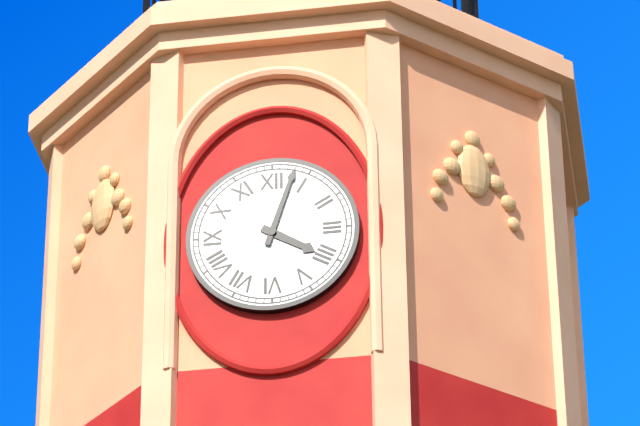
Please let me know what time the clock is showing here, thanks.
4:03
